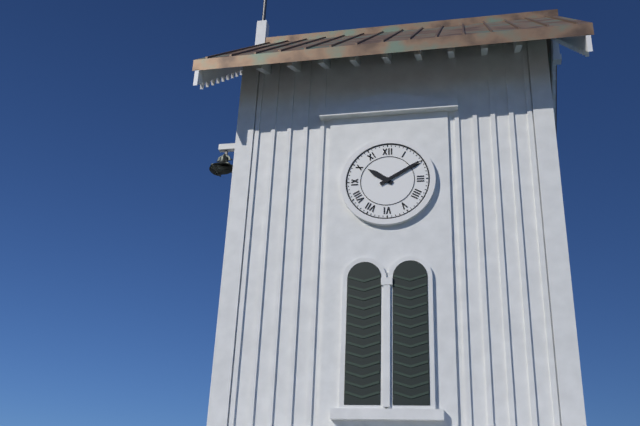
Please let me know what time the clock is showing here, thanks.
10:10
